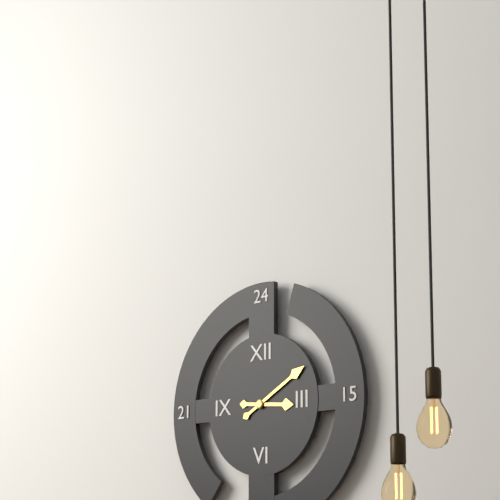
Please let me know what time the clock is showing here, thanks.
3:10
